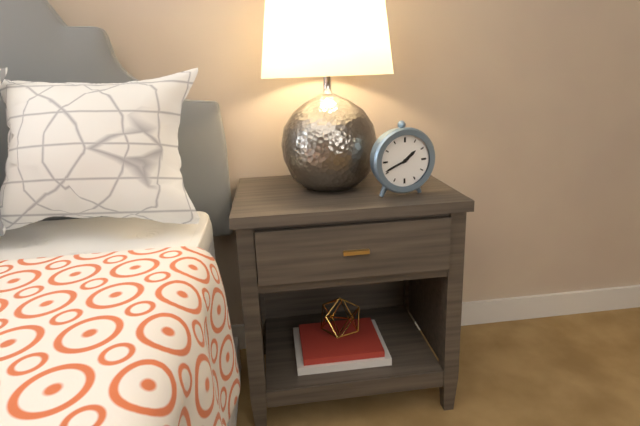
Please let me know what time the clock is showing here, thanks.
1:41
